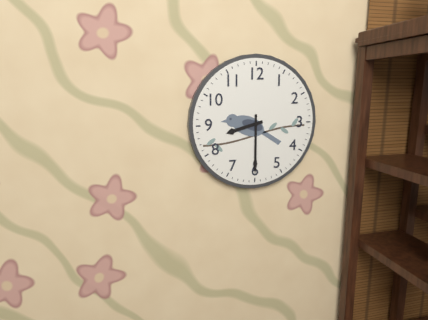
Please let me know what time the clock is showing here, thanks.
8:30
